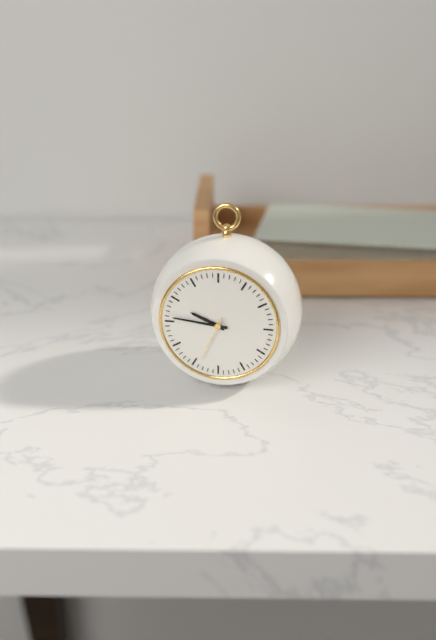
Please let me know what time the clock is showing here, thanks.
9:46
